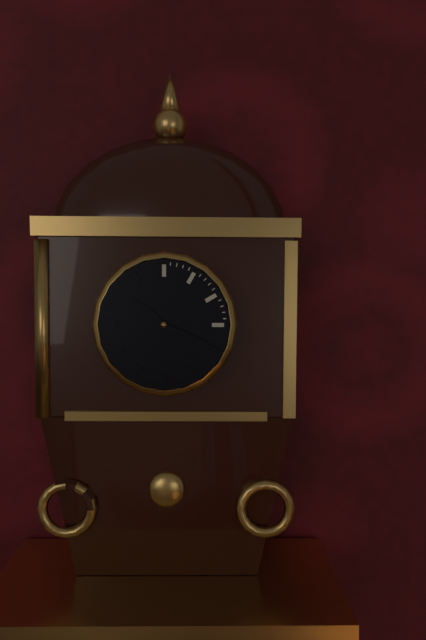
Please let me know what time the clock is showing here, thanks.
10:19
